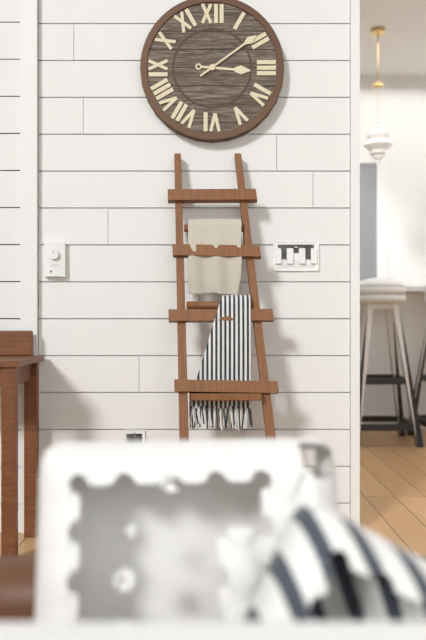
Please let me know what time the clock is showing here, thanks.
3:09
